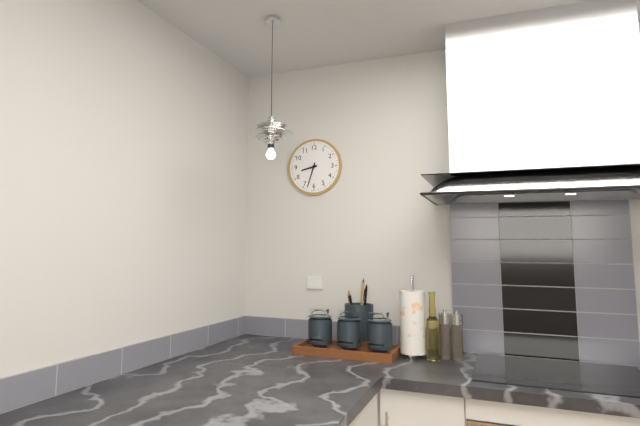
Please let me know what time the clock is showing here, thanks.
8:33
